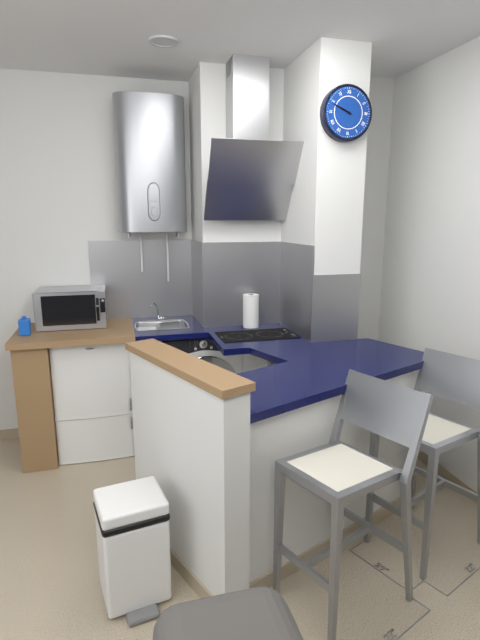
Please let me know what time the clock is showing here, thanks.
9:49
